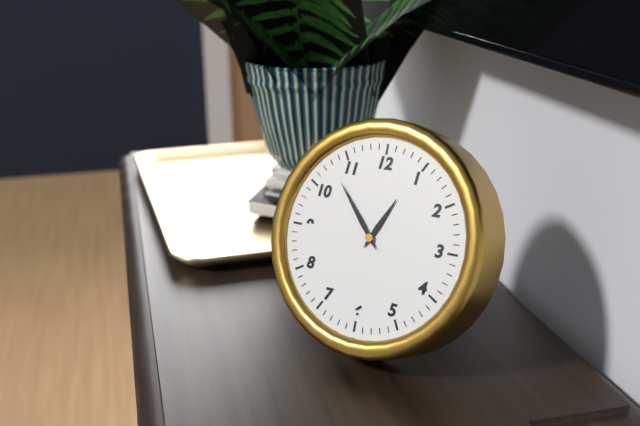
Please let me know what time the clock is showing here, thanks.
12:53
